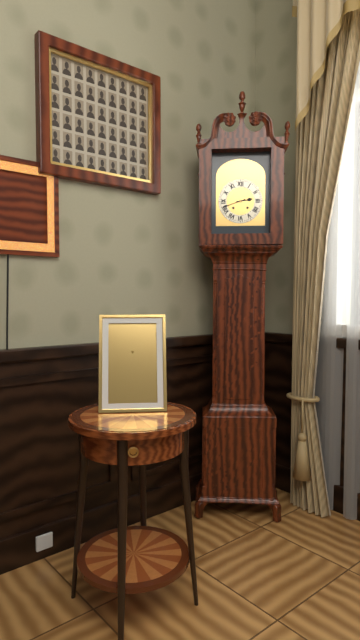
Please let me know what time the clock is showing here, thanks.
2:42
